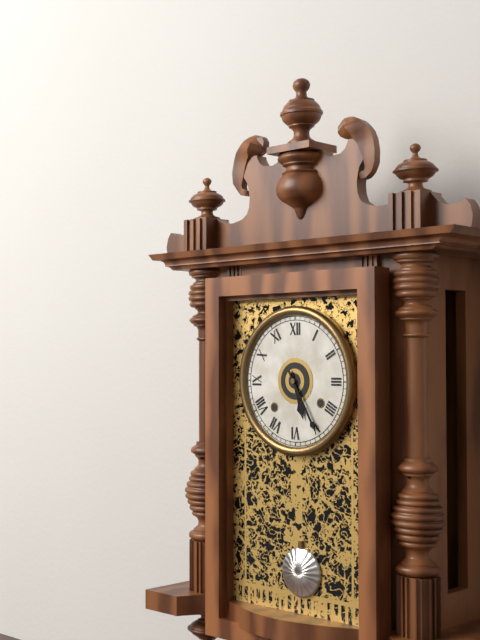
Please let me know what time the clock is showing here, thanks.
5:25
